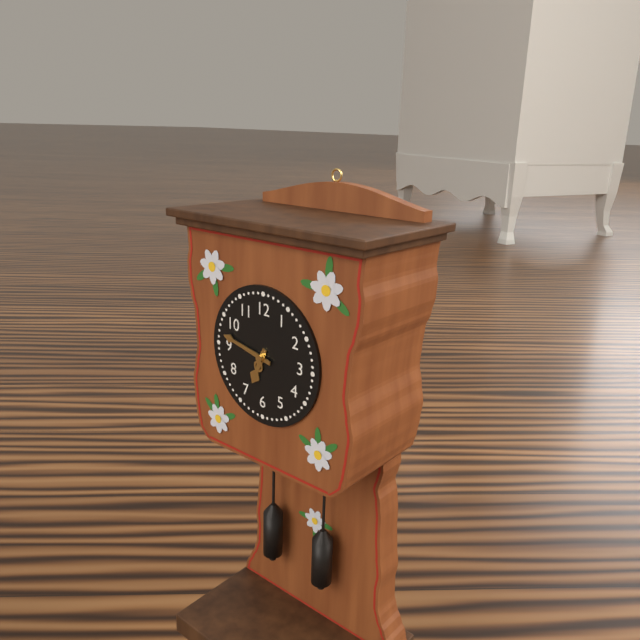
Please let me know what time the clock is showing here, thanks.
6:47
